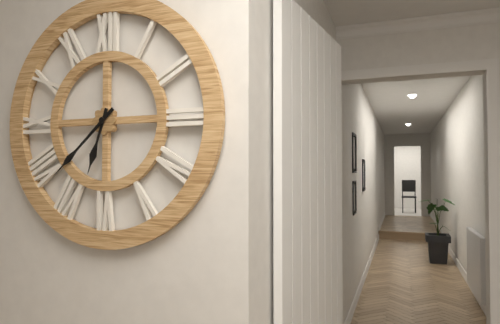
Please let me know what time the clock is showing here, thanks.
6:38
